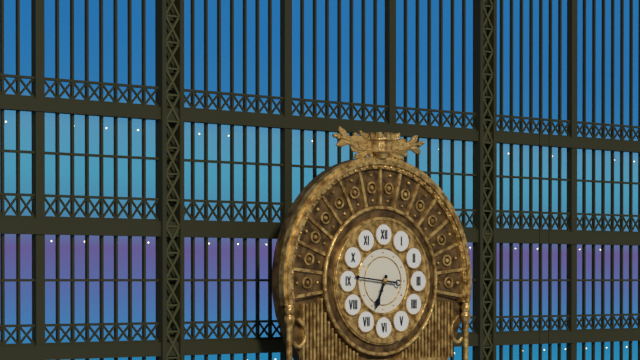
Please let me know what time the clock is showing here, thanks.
6:46
